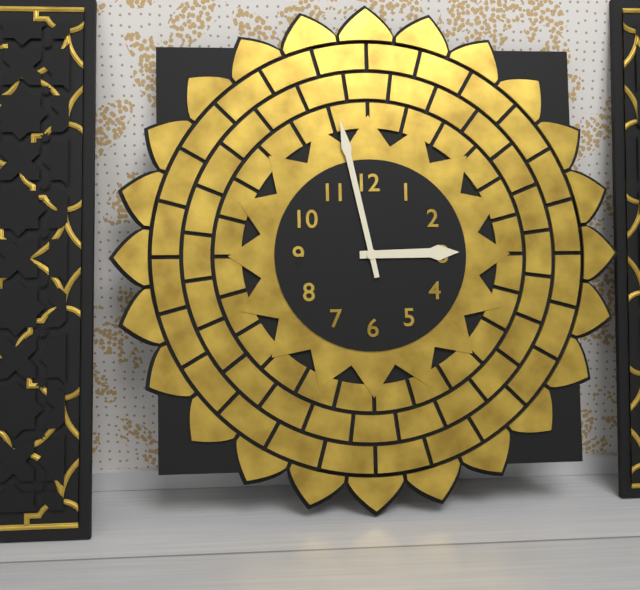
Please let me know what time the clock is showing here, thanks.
2:58
